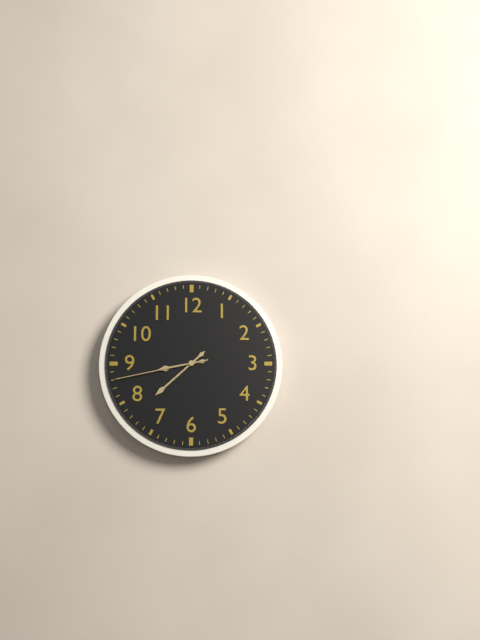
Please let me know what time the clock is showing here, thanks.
8:38:43
